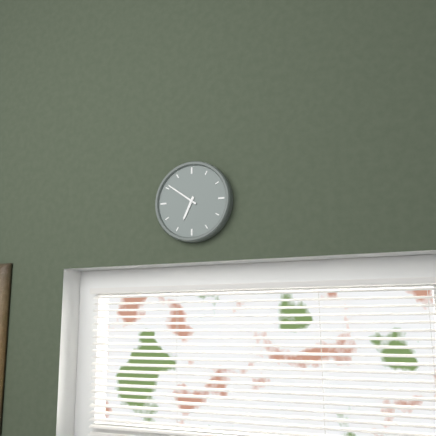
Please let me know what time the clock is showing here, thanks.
6:51
